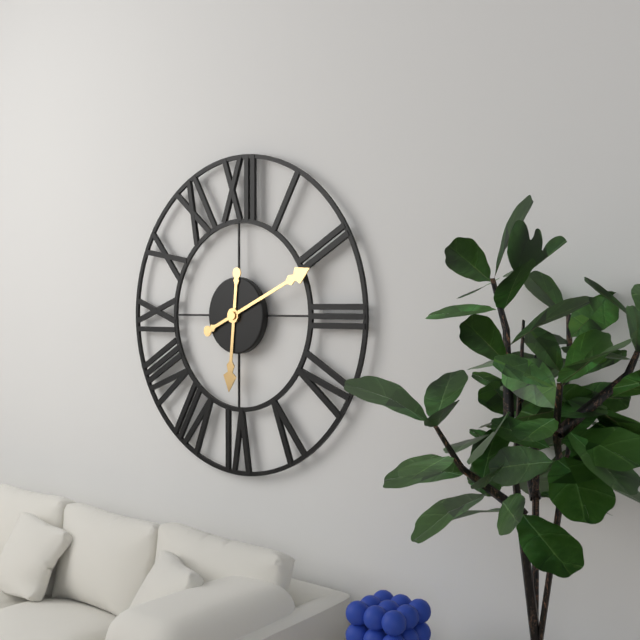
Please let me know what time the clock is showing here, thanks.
6:11
